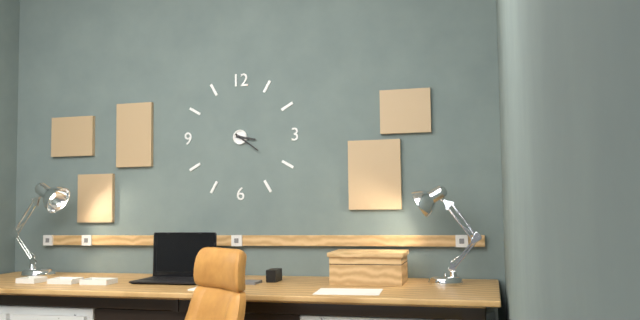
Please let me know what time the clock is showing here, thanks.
3:21
